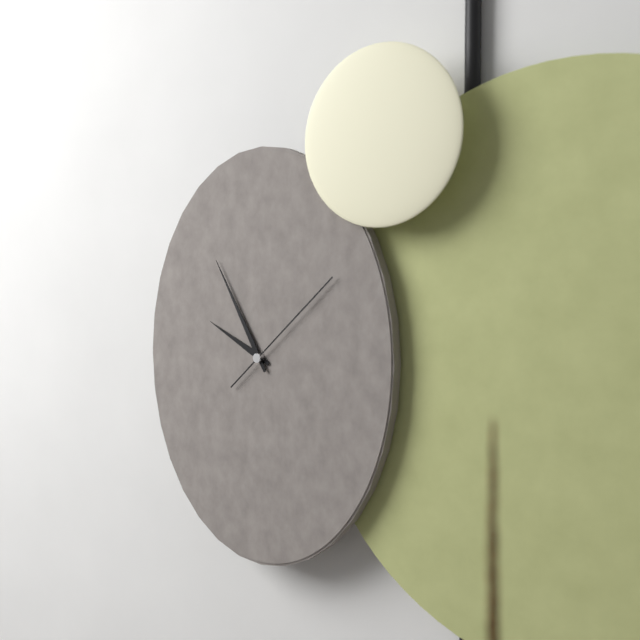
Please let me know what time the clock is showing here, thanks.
9:55:08
